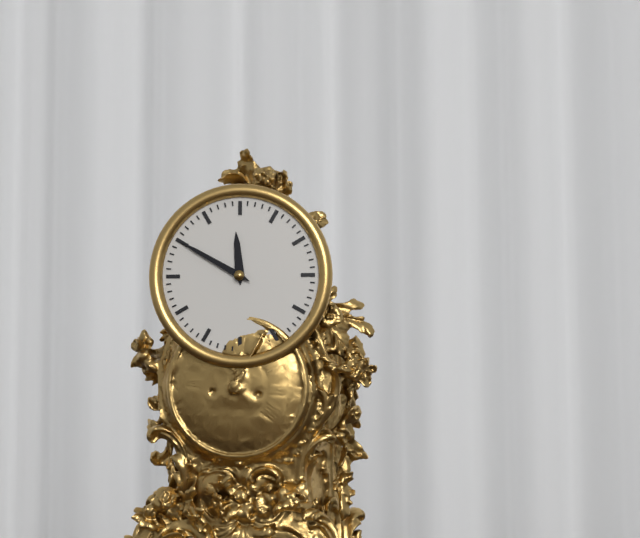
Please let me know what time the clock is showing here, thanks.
11:50
